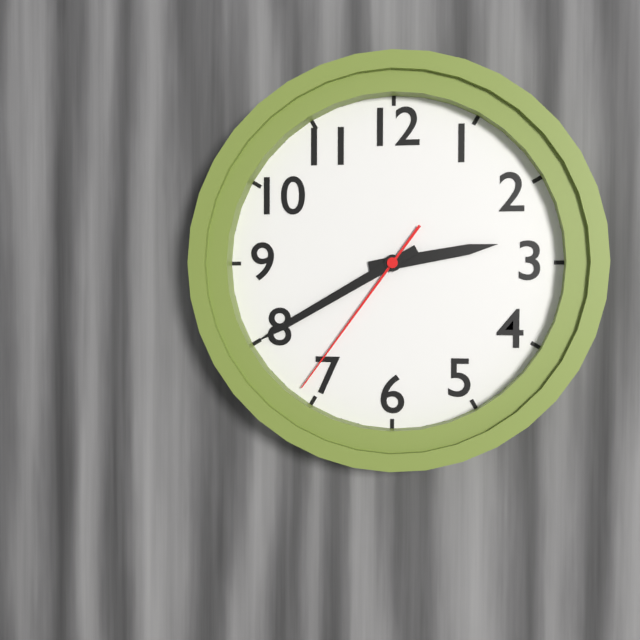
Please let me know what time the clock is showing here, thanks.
2:40:36
